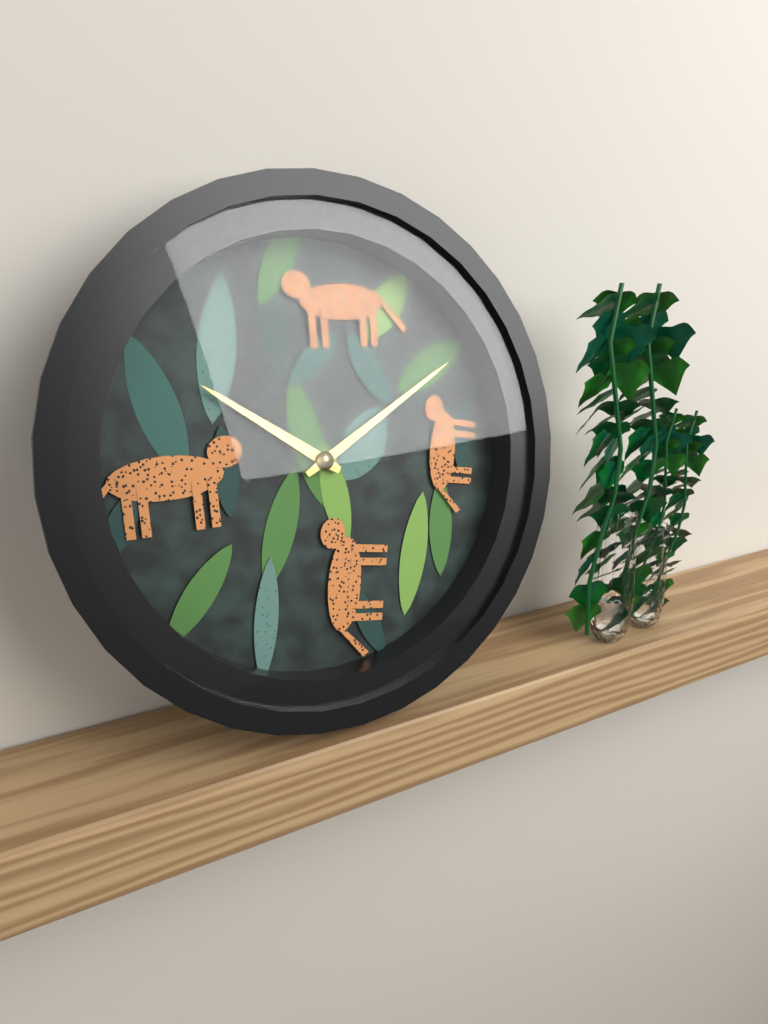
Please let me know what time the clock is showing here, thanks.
10:10
